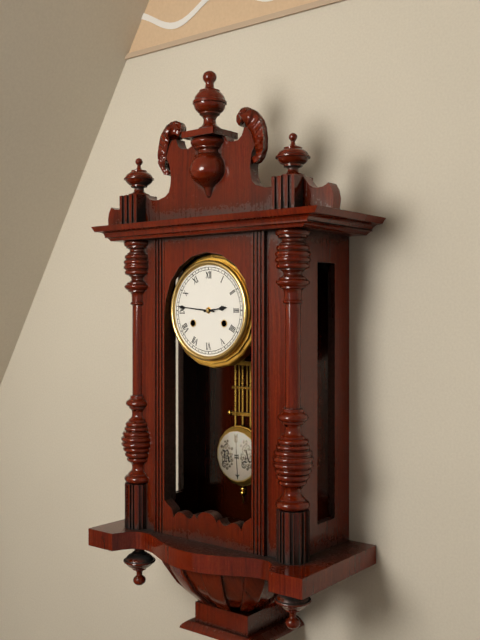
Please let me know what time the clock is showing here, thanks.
2:46
